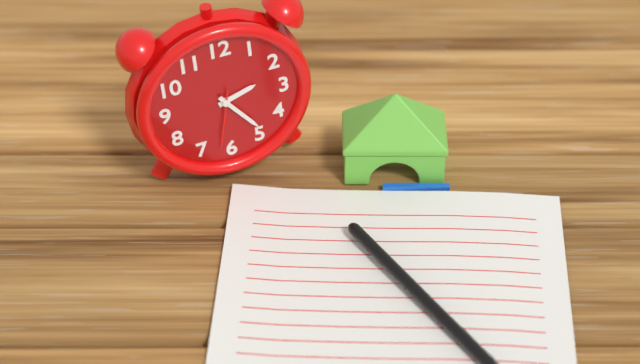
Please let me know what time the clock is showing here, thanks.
2:24:32
